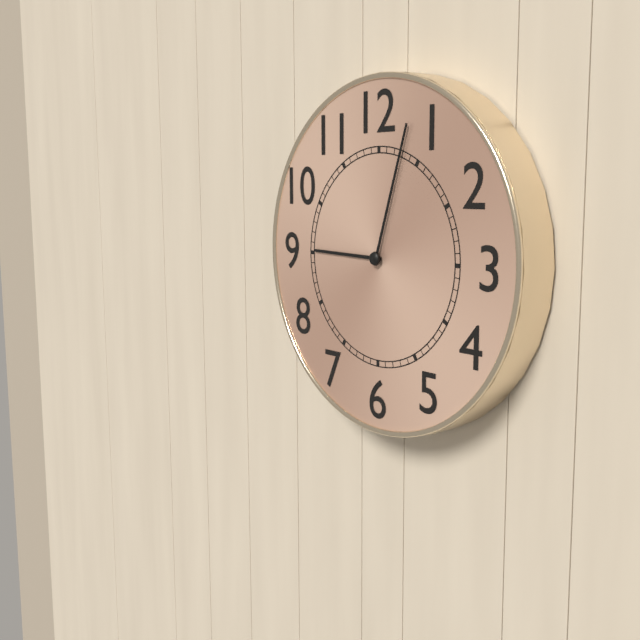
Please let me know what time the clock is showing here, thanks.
9:03
